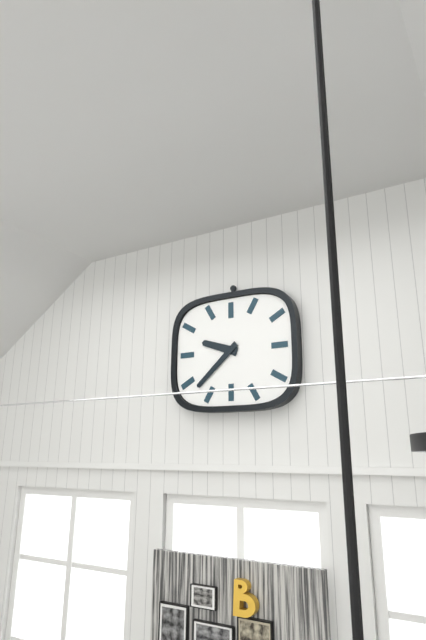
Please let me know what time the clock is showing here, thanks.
9:38
